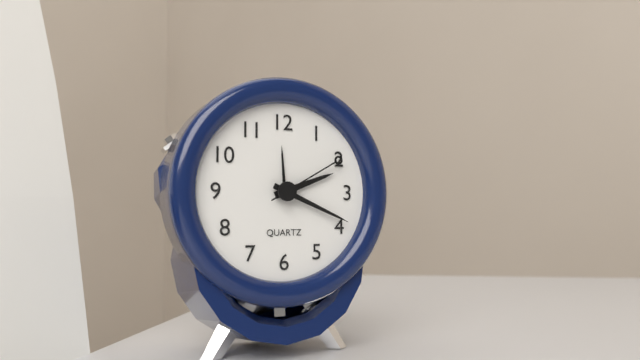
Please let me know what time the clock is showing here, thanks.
2:19:10
